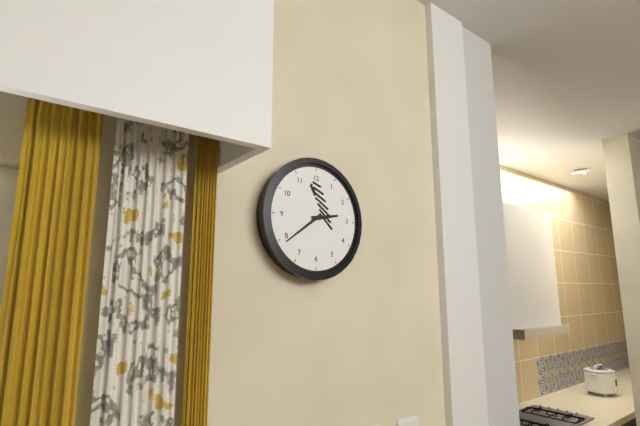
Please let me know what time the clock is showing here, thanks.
2:39
